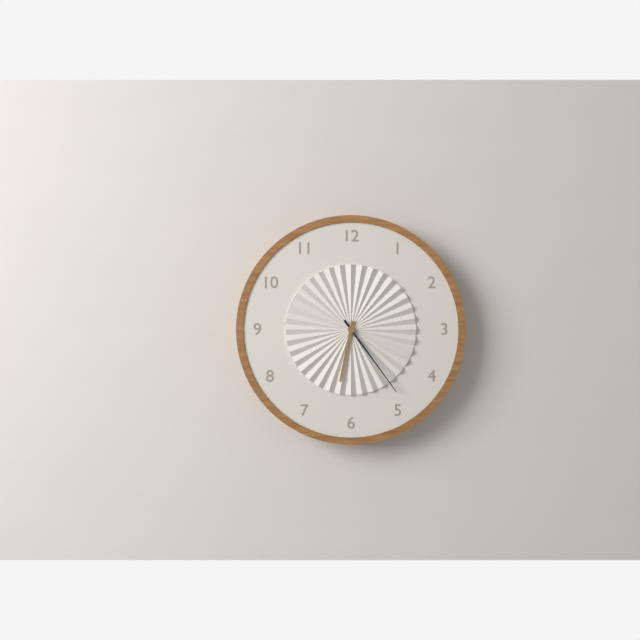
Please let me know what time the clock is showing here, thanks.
6:24
